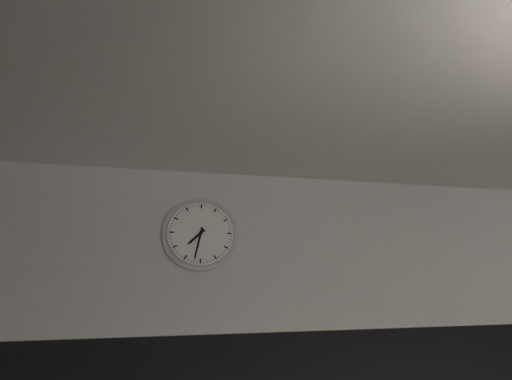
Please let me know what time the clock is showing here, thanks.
7:32
